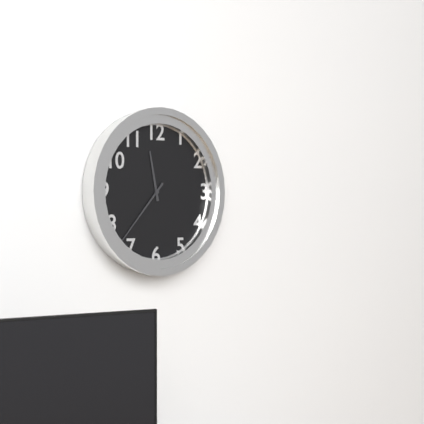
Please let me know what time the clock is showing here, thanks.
11:37
